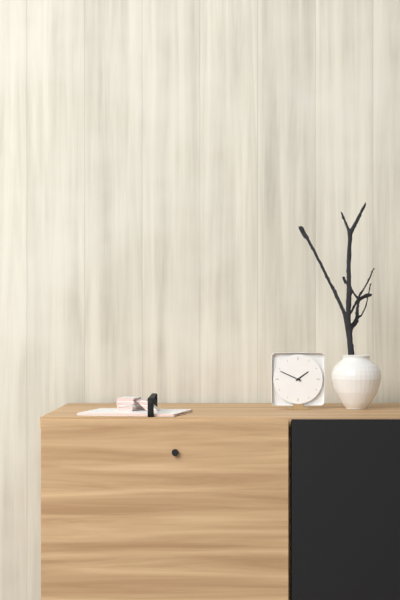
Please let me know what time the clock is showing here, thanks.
1:49
